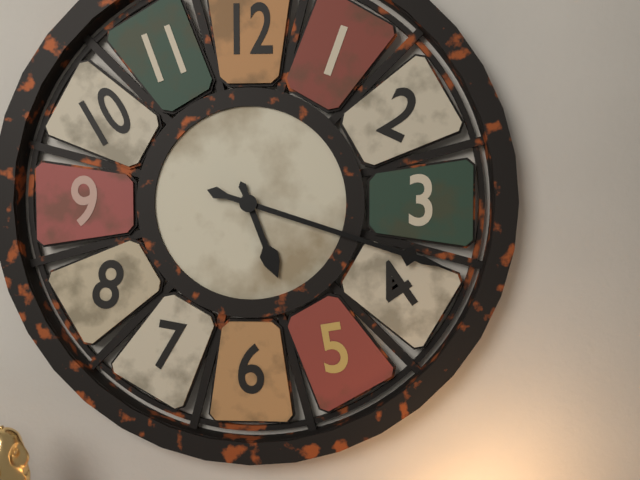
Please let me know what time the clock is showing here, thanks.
5:18
